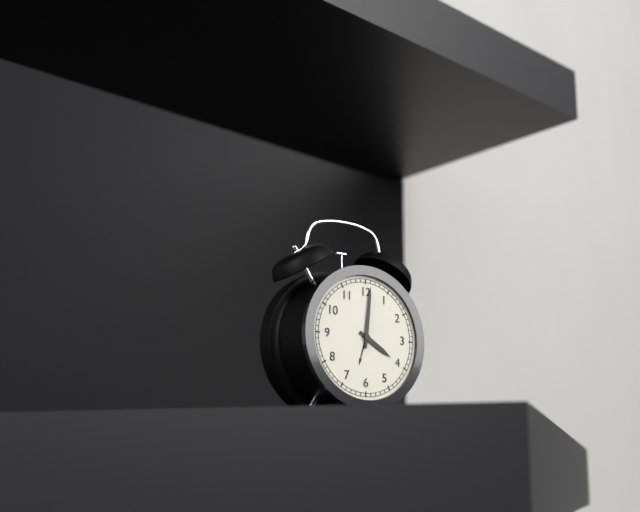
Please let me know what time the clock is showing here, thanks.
4:01
